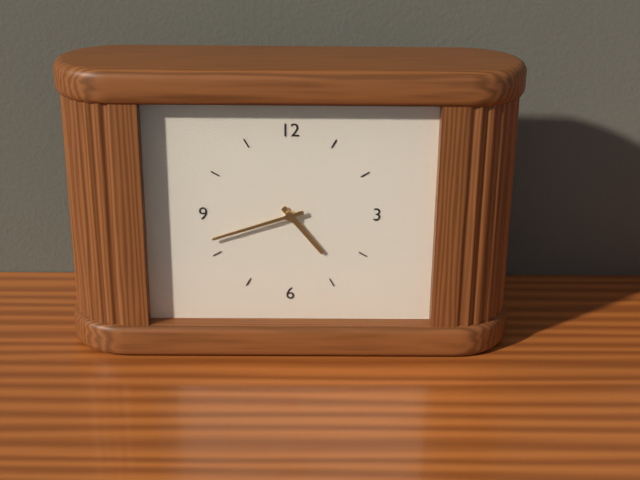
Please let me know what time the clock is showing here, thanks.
4:42
